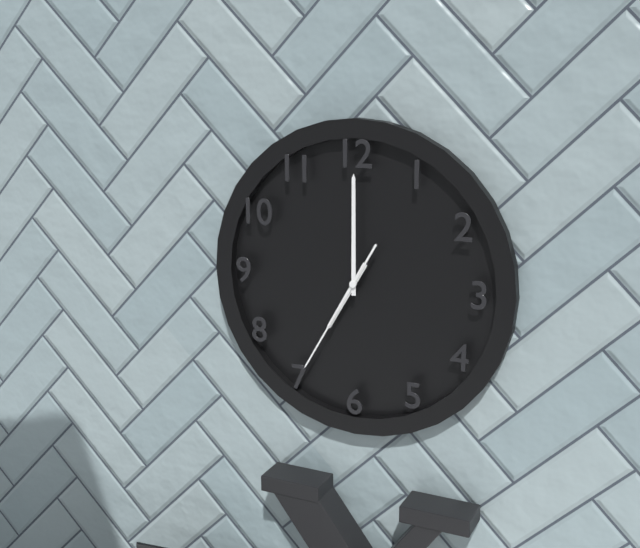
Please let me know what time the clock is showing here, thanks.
7:00:35
